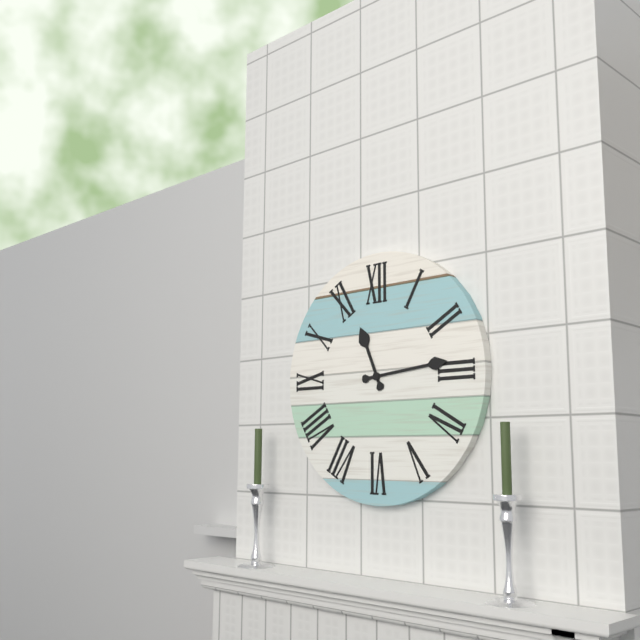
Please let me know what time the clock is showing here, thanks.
11:14
